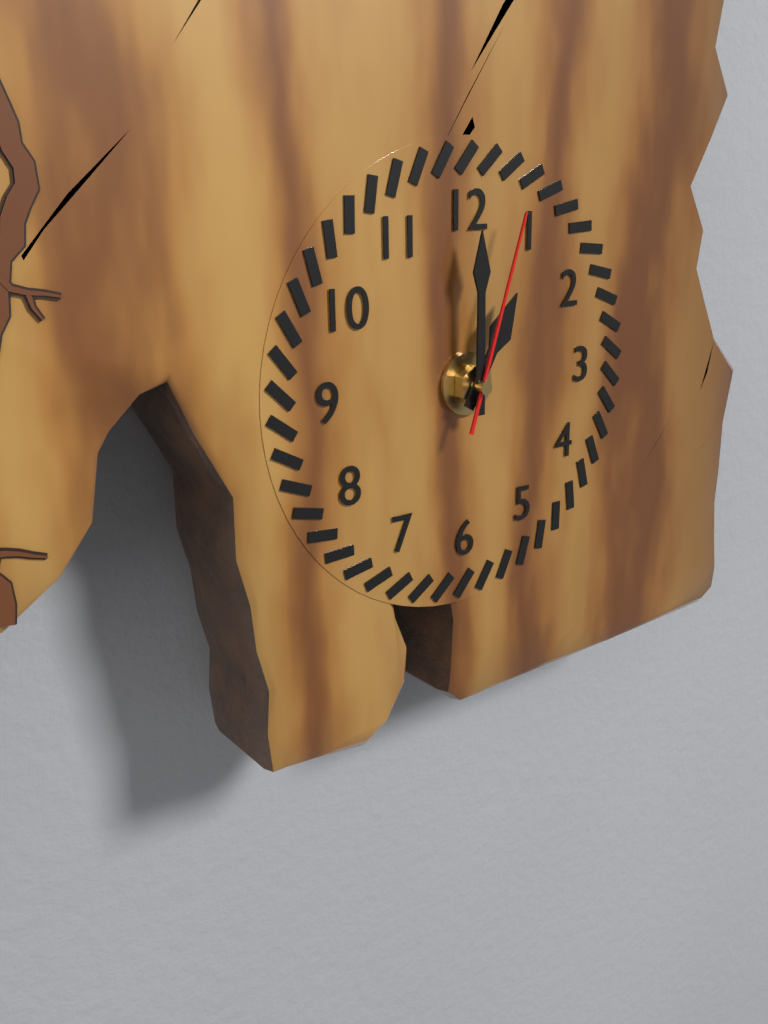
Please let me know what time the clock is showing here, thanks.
1:00:03
